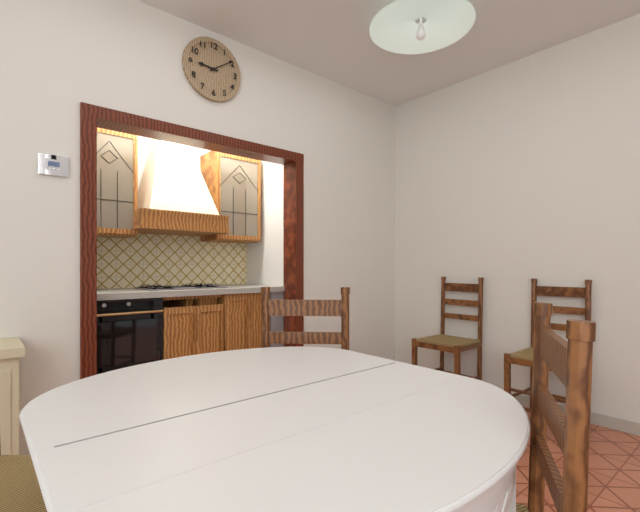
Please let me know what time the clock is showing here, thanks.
9:09
